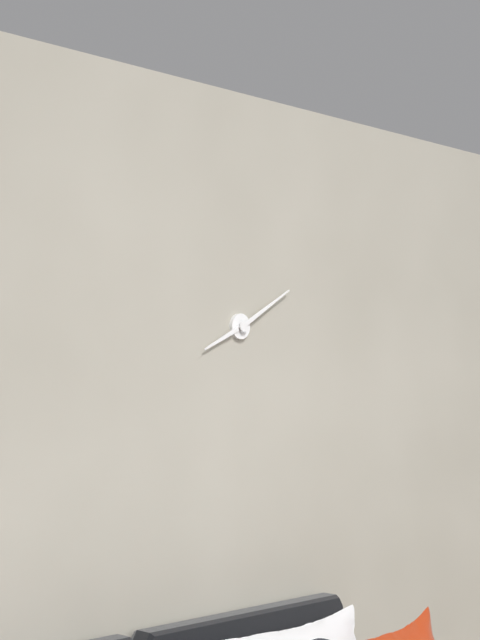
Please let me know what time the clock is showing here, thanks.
8:10
